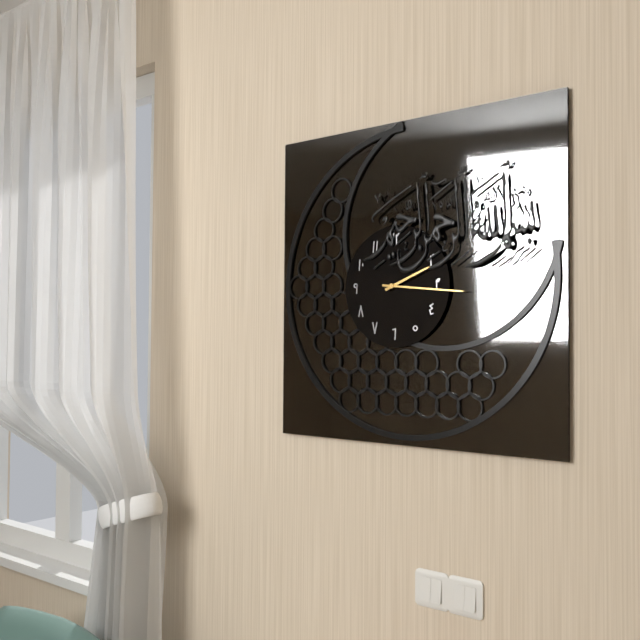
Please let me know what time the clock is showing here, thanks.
2:16
